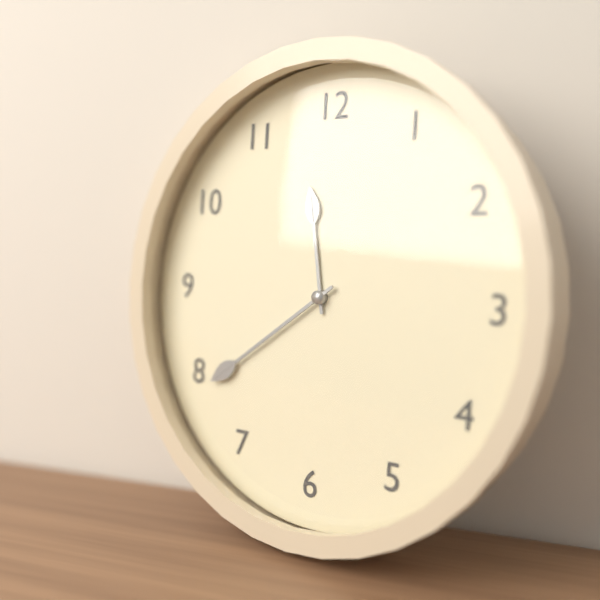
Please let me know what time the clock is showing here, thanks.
11:39
